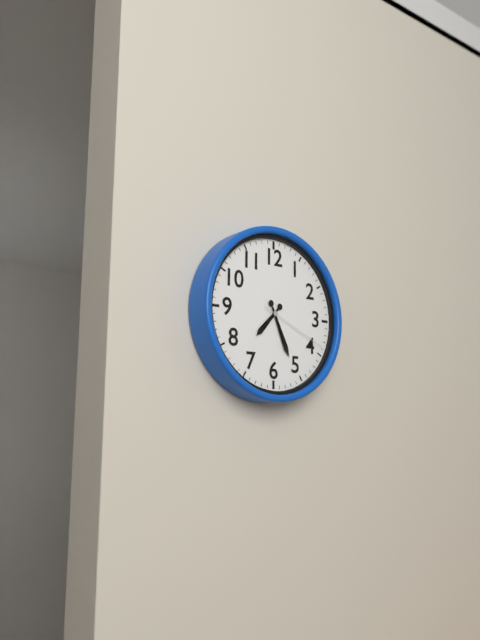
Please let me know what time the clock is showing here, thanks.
7:26:19
